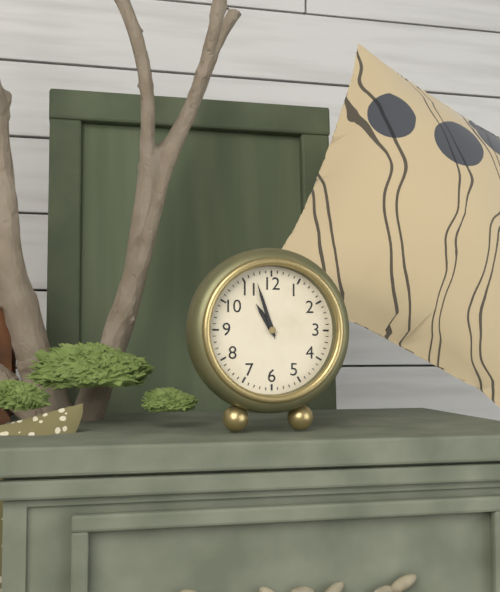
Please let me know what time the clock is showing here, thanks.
10:57
